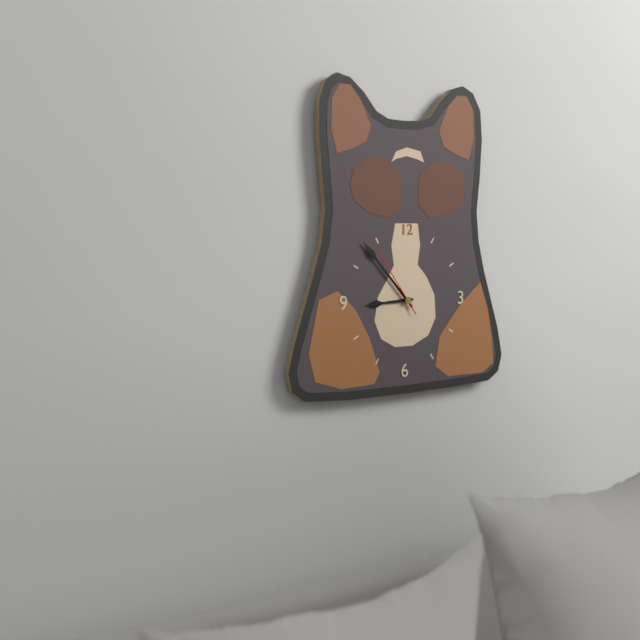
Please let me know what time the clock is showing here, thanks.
8:53:54
